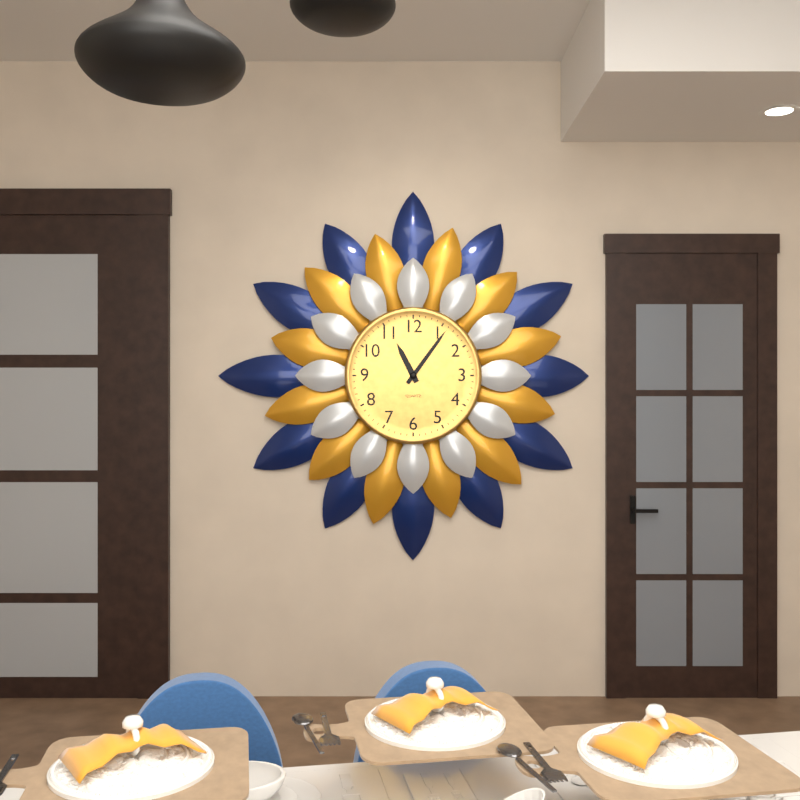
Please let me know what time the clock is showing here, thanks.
11:06
